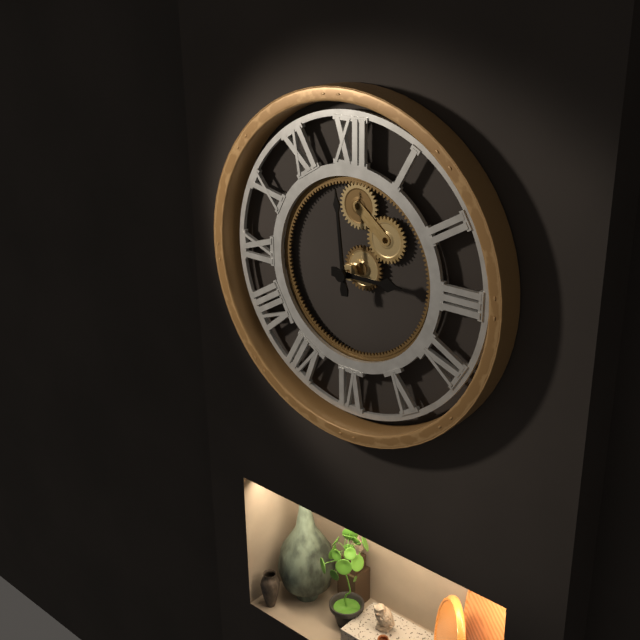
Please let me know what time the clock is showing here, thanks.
2:59
